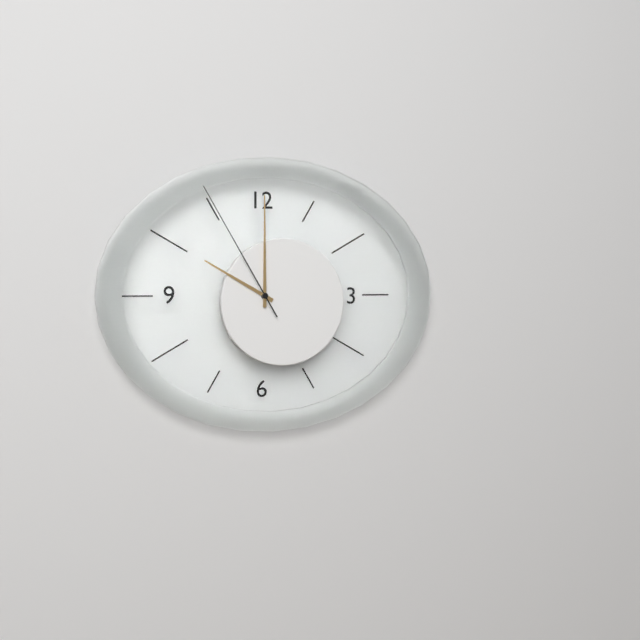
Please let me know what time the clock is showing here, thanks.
10:00:55
